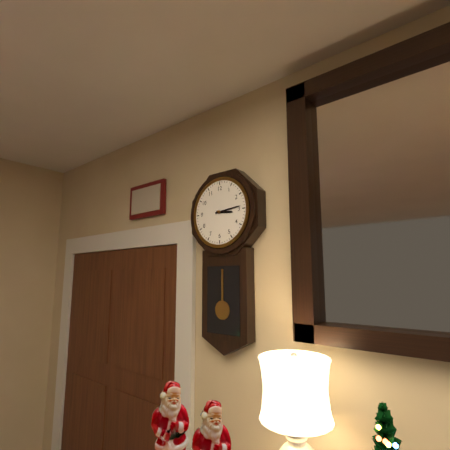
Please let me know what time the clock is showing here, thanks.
3:14
